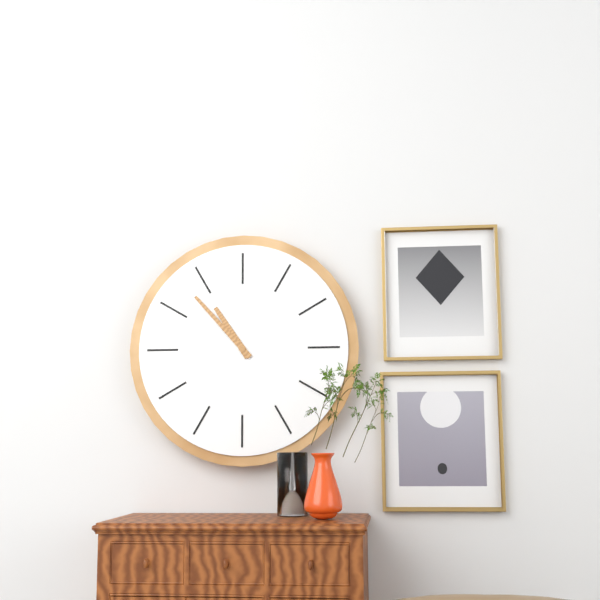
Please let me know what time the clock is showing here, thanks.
10:53
